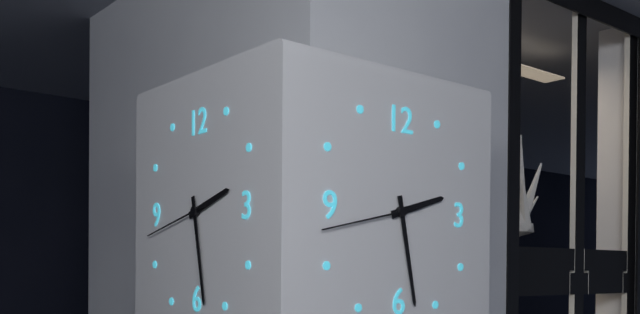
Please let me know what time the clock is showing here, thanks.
2:28:43
